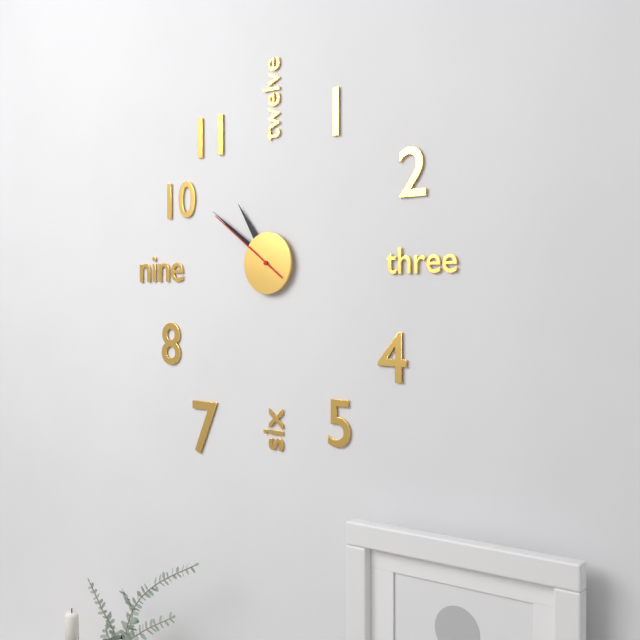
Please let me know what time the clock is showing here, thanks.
10:51:51
